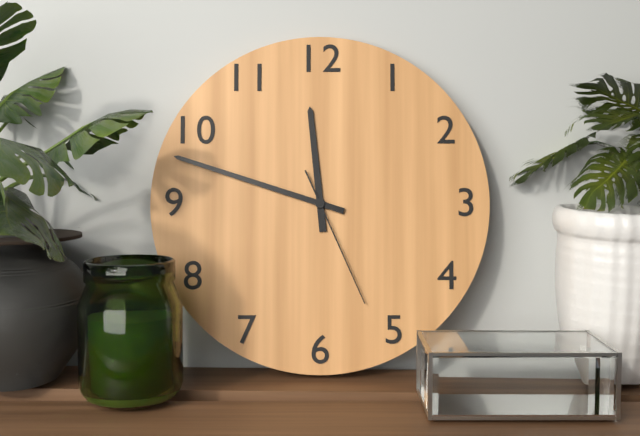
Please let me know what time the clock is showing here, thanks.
11:48:26
